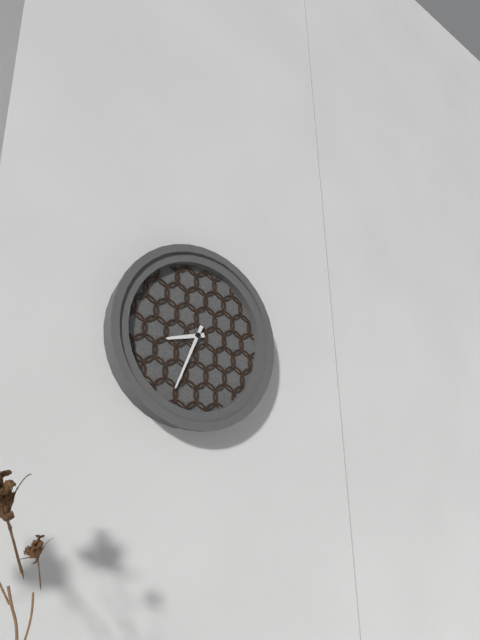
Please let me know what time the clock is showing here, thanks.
8:34
